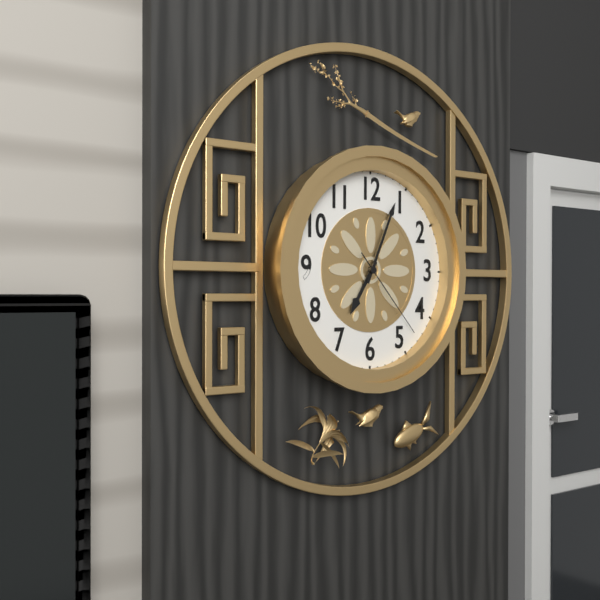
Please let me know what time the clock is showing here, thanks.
7:04:23
